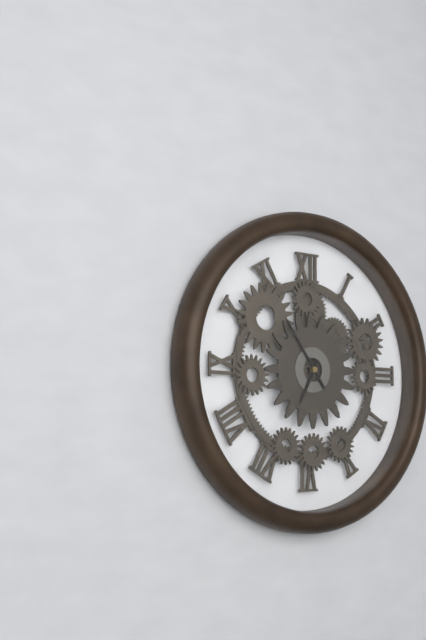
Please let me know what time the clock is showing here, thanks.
6:54
